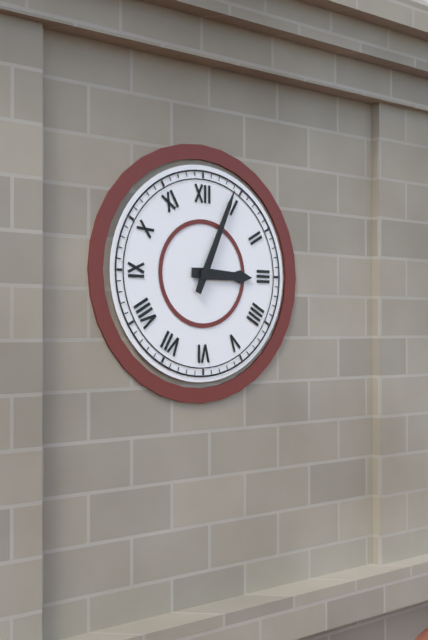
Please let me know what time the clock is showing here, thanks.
3:04
